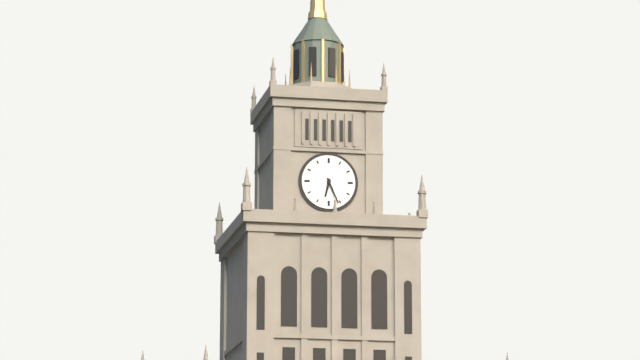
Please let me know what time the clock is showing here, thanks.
6:26
